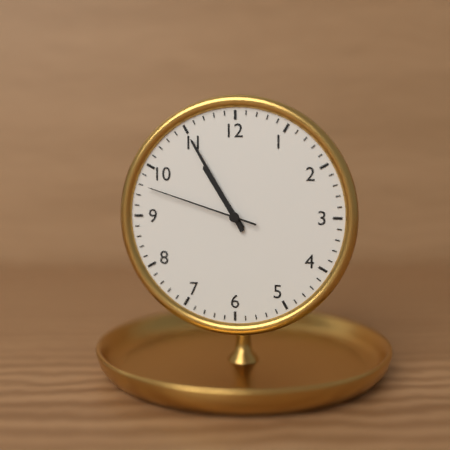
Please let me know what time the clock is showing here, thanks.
10:55:48
